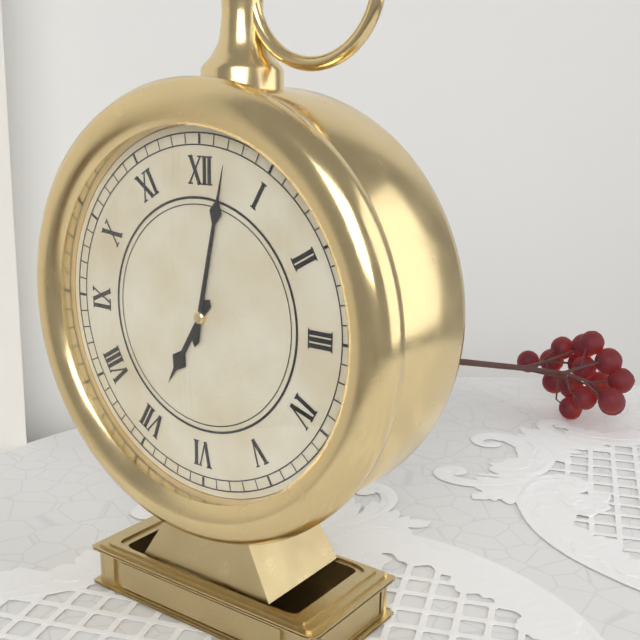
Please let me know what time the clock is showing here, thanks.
7:02
